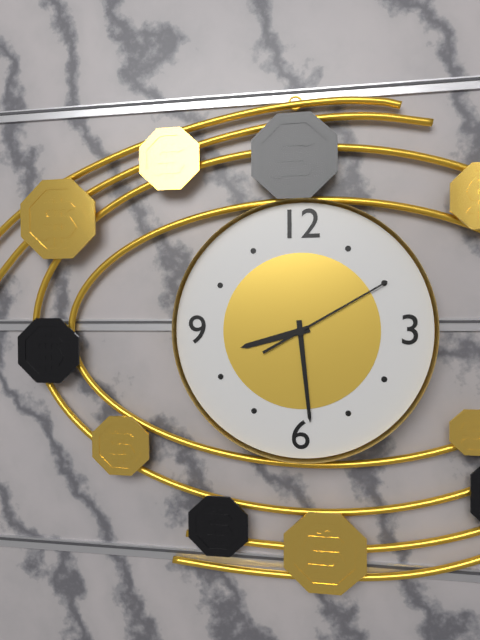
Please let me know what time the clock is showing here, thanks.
8:29:10
